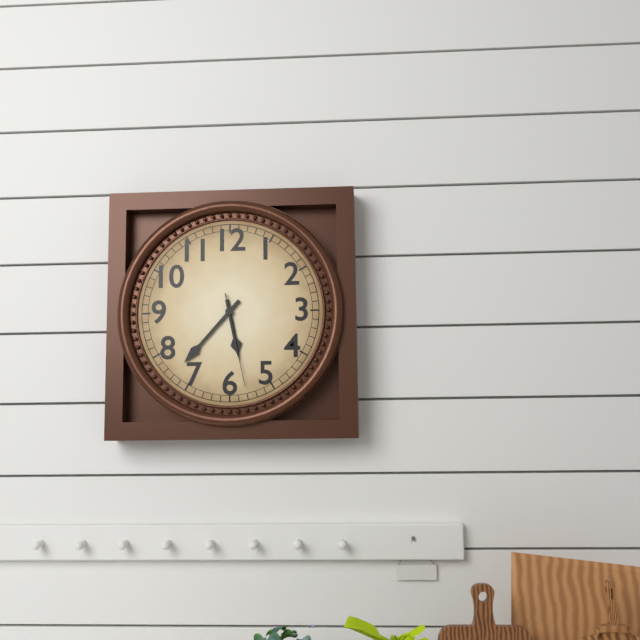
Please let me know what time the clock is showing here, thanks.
5:37:28
